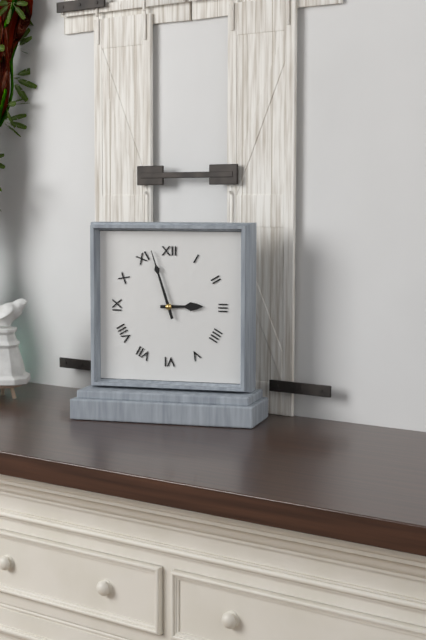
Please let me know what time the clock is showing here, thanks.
2:57
